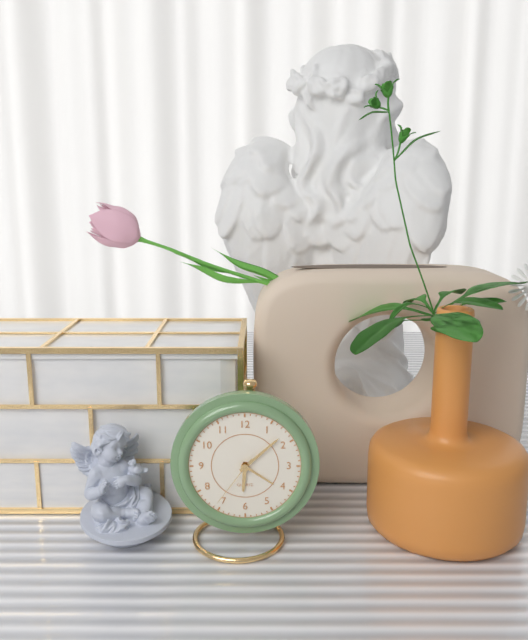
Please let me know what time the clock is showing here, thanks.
6:08:36
